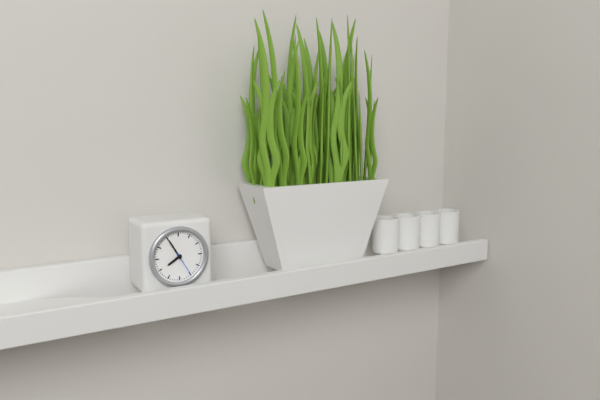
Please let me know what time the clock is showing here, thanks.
7:55
